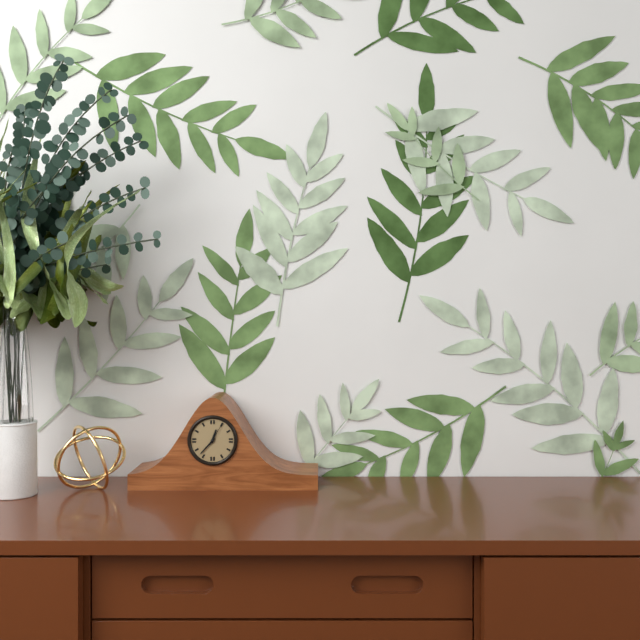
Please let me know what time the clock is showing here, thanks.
12:37
